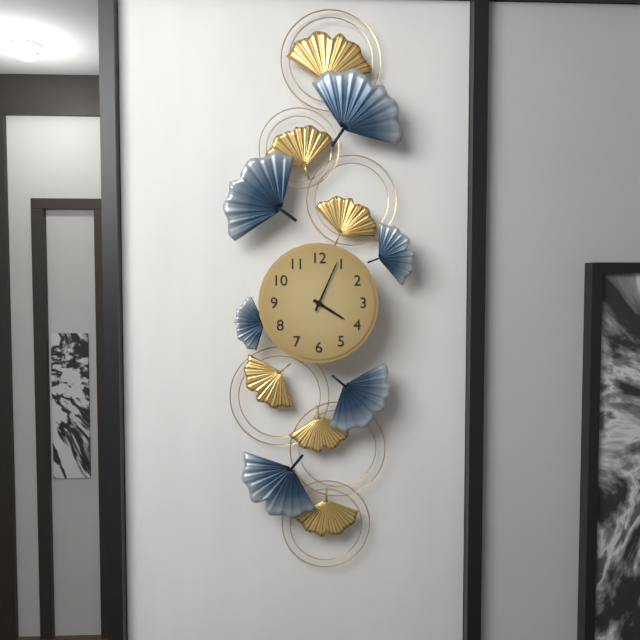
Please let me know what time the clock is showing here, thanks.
4:04
